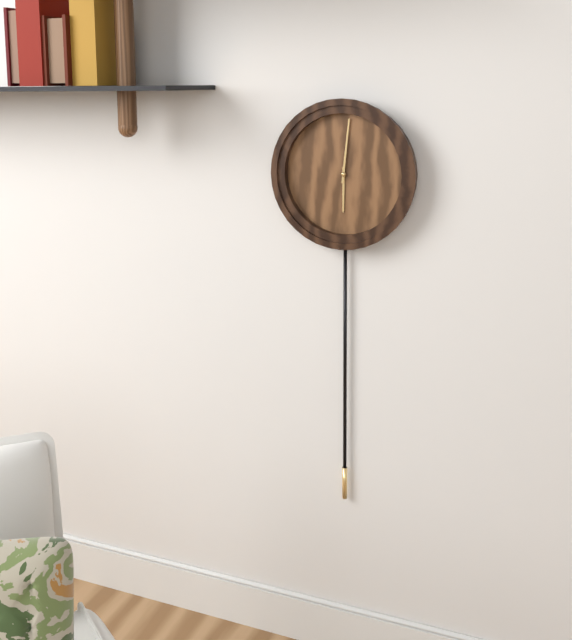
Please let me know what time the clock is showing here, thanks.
6:01
